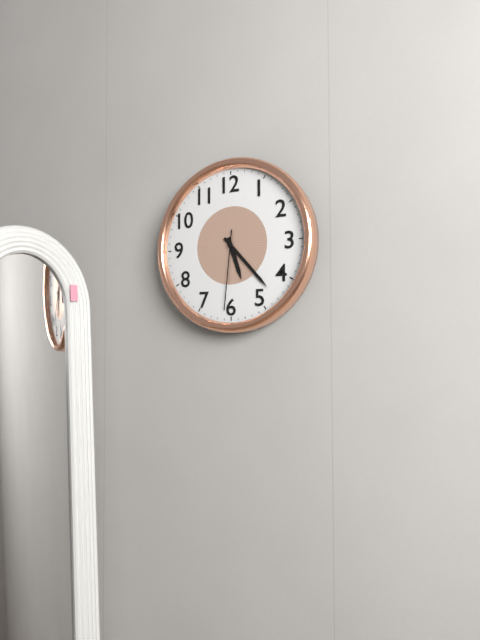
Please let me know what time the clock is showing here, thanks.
5:23:31
